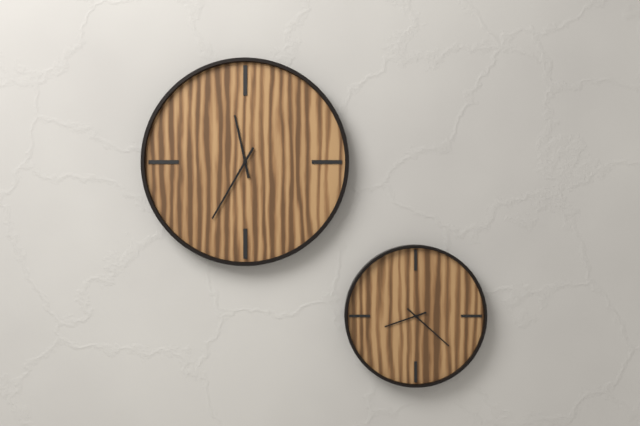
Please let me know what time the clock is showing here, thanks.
11:35
